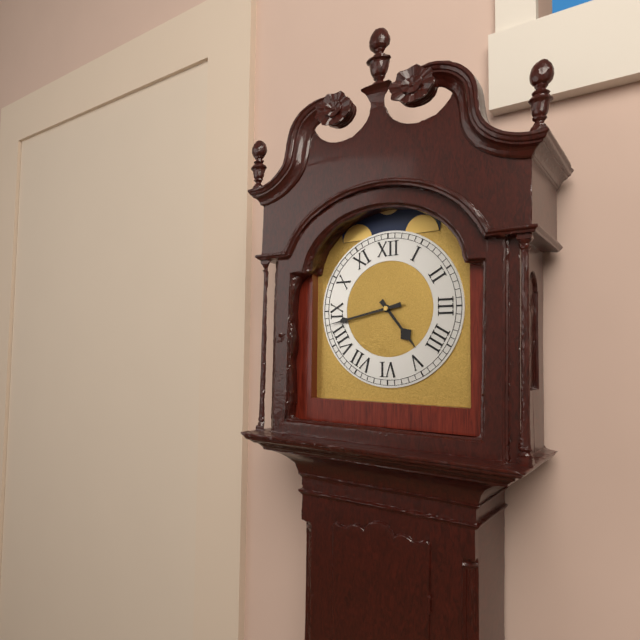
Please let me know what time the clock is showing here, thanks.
4:43
